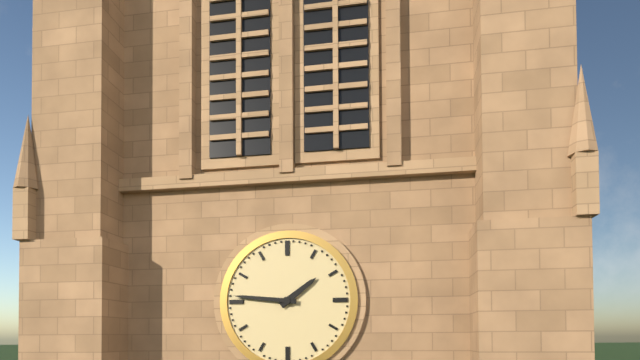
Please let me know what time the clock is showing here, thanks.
1:46
